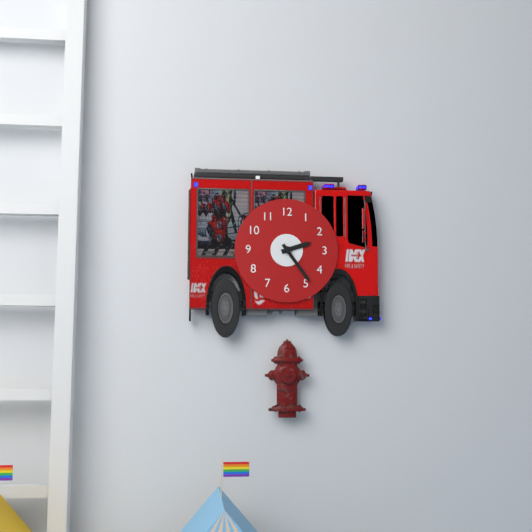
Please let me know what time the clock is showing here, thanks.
2:24
